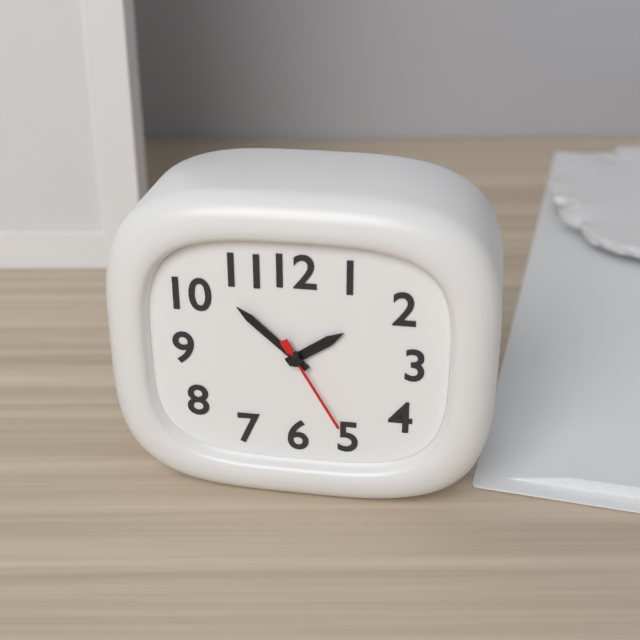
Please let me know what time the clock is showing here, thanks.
1:52:25
